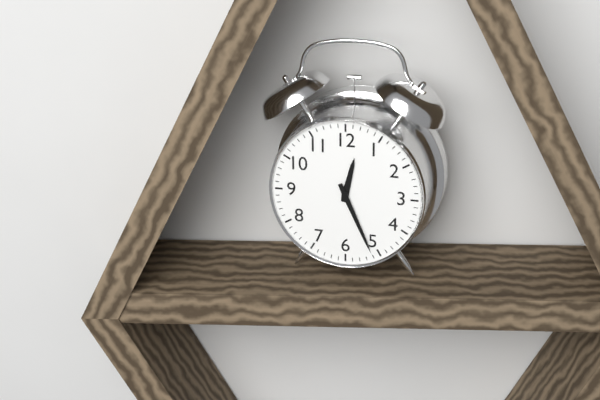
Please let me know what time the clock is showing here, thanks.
12:26
